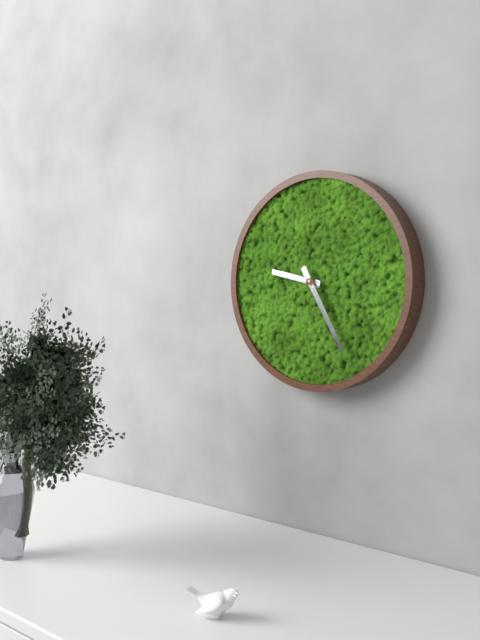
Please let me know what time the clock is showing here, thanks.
9:25
